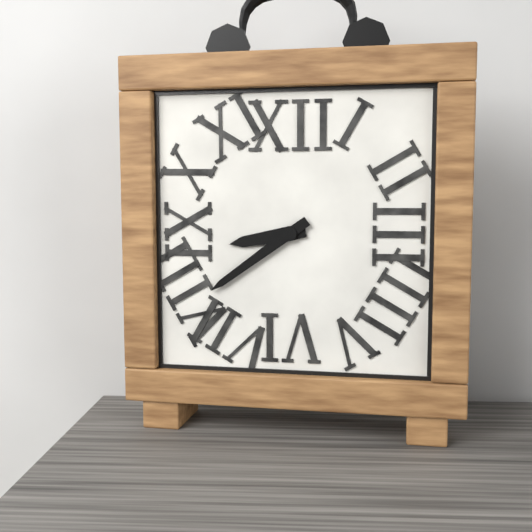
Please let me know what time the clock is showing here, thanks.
8:39
